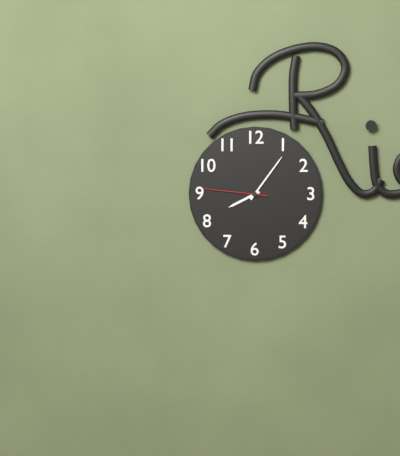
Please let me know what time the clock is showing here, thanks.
8:06:46
